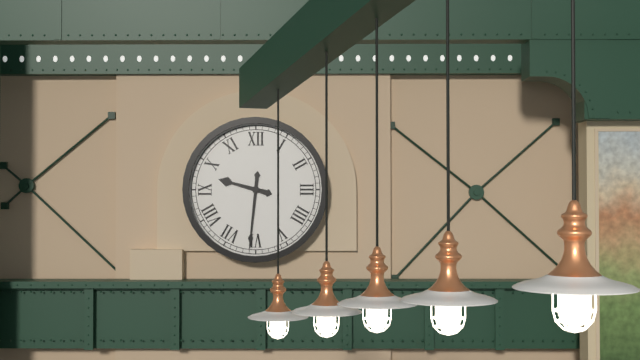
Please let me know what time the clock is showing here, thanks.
9:31
